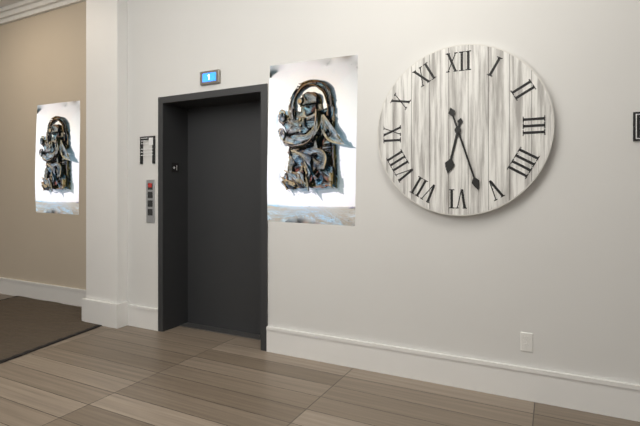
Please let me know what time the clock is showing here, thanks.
6:27
